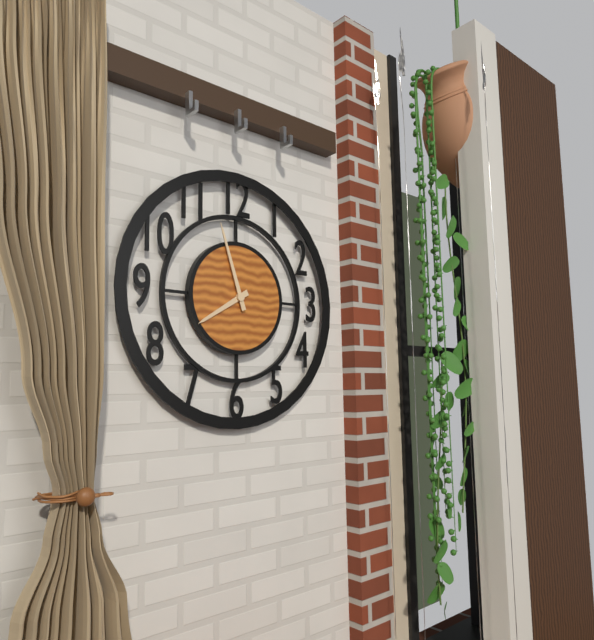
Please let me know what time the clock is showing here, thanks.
7:57
